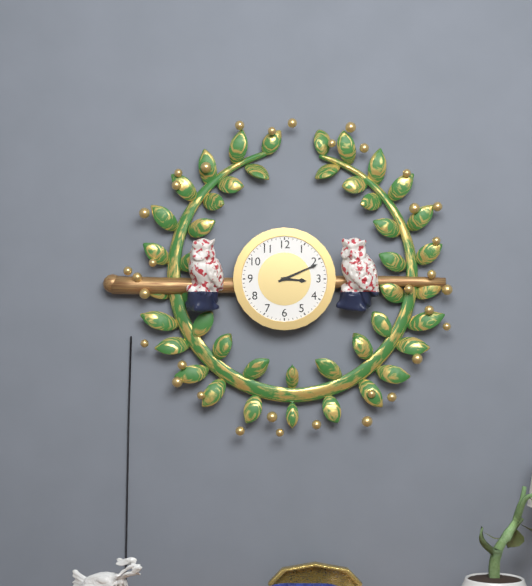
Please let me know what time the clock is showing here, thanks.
3:11
